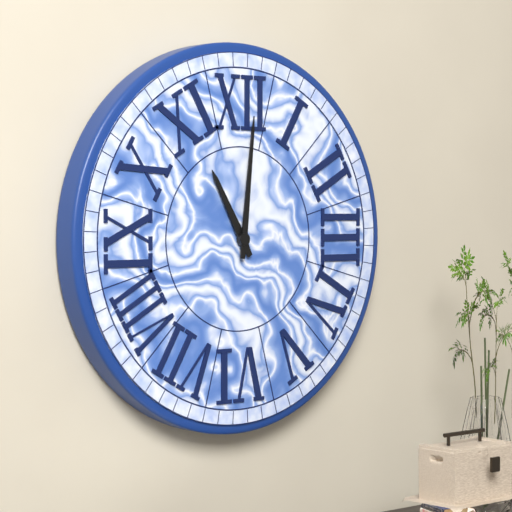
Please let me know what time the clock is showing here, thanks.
11:01
